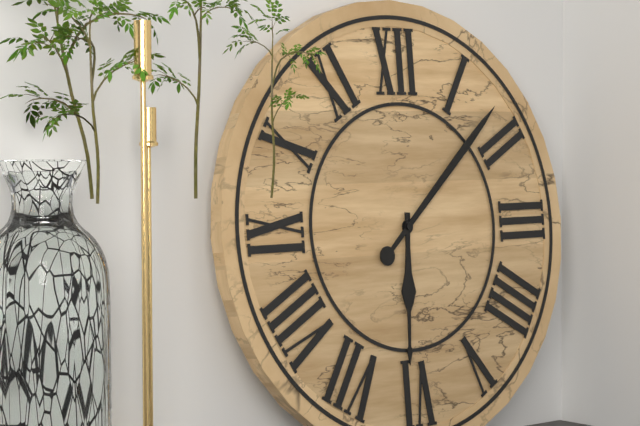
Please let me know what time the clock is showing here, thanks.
6:08
